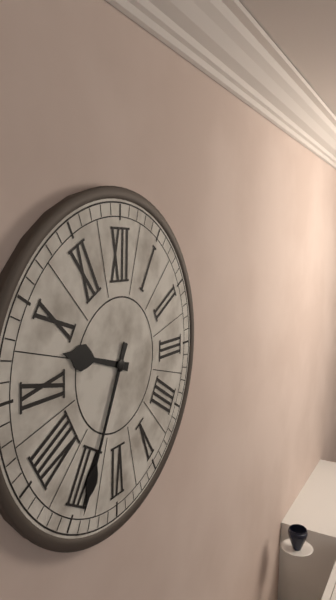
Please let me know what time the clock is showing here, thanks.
9:34
